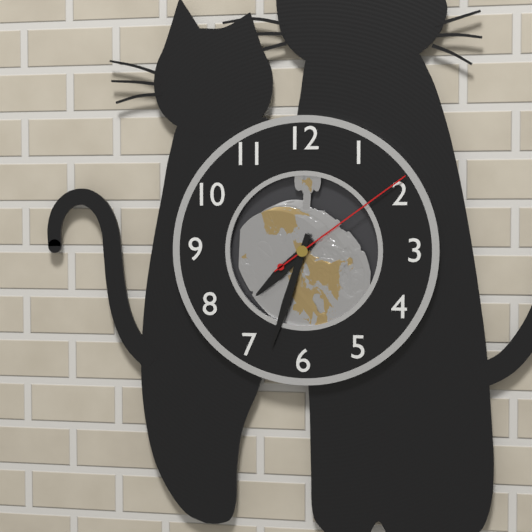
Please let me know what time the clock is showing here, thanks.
7:33:09
